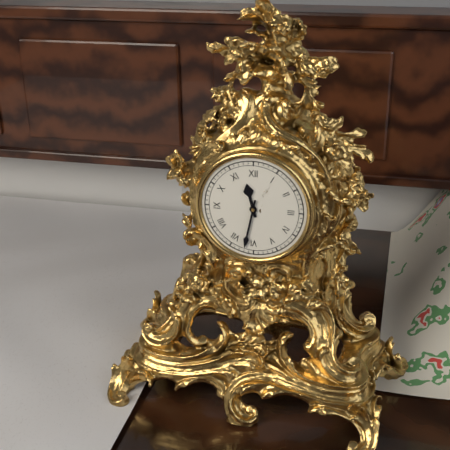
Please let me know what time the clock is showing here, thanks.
11:32
